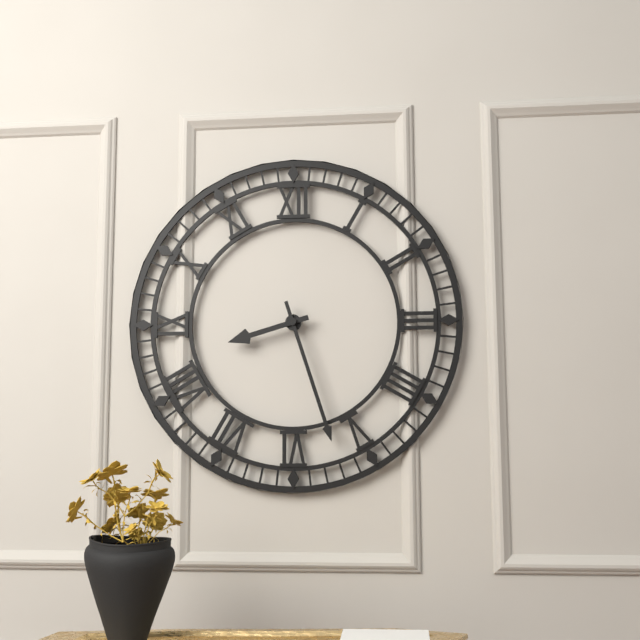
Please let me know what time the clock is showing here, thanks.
8:27
